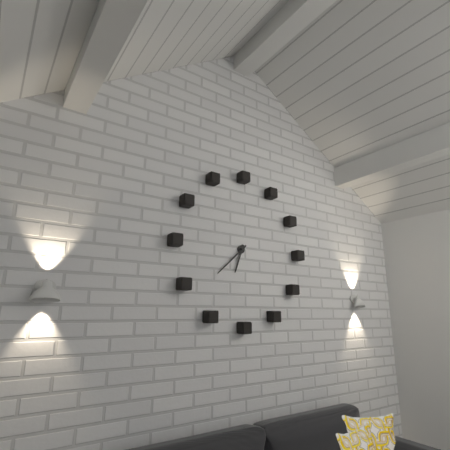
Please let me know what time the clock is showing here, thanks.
6:38
